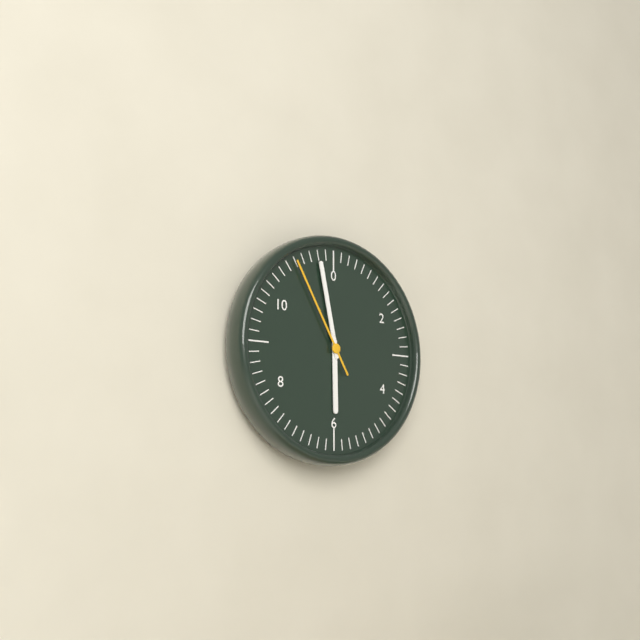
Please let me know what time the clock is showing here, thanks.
5:58:55
